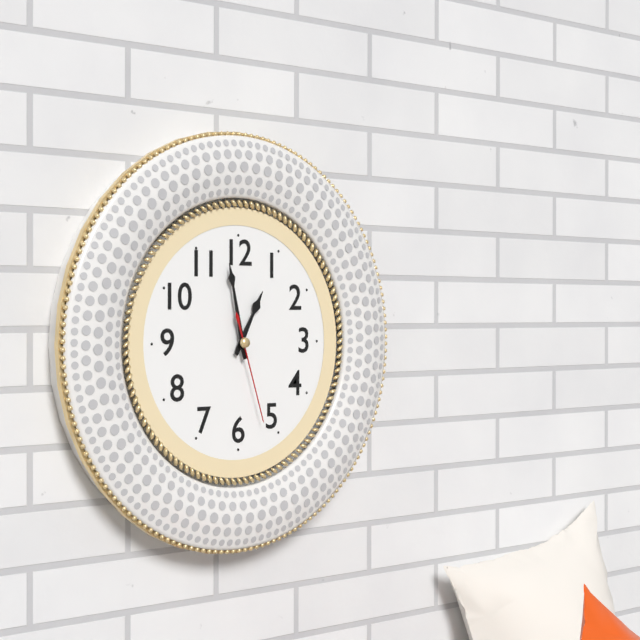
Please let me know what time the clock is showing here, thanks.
12:58:27
